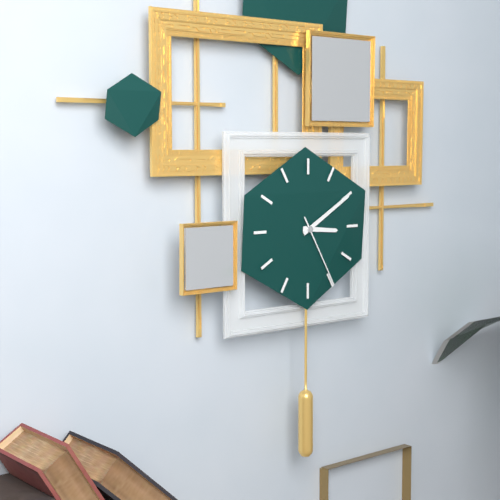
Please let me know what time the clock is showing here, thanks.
3:10:25
